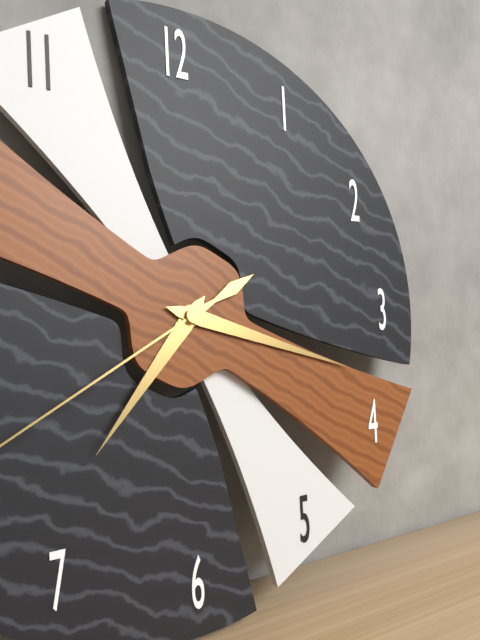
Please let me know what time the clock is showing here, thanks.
7:18
